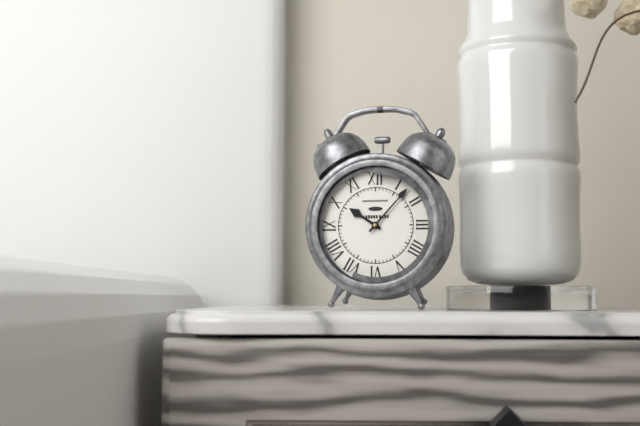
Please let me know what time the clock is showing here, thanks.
10:07
